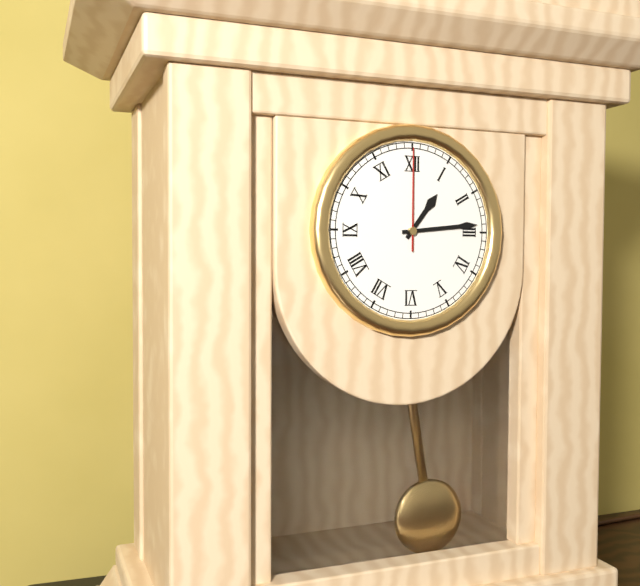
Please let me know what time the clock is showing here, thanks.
1:14:00
